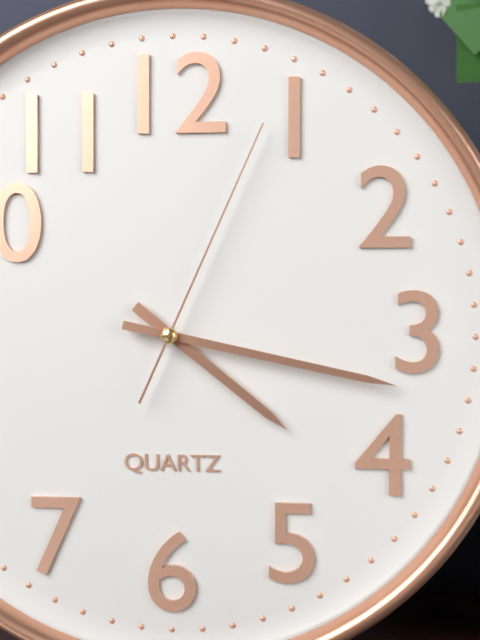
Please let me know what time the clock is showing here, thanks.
4:17:04
